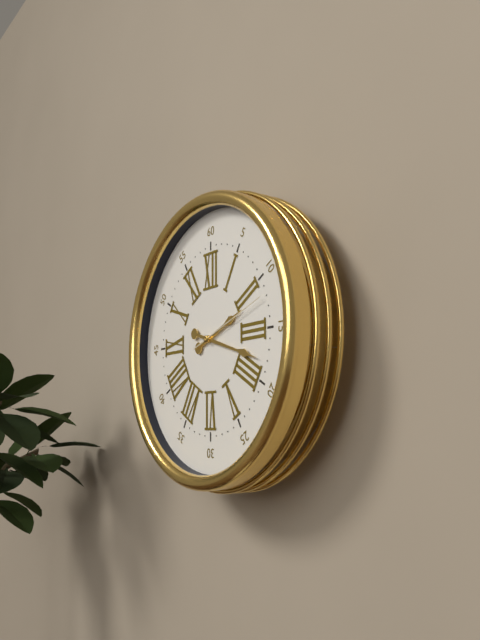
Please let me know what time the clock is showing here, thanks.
2:18:12
